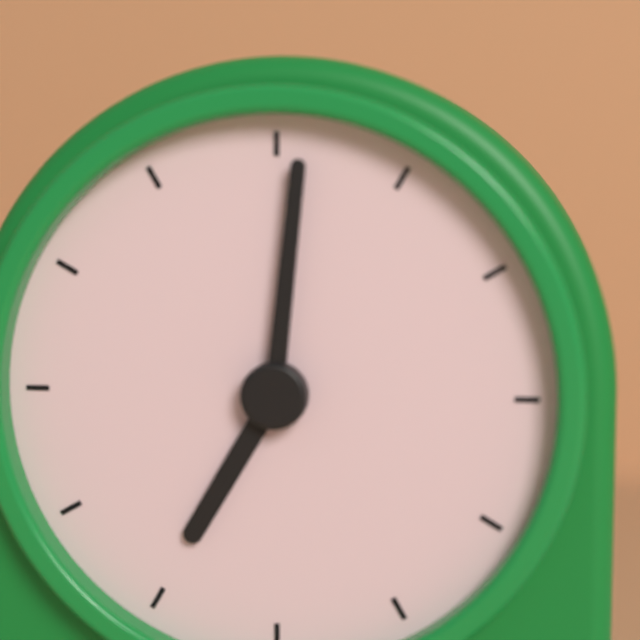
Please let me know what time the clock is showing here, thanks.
7:01
